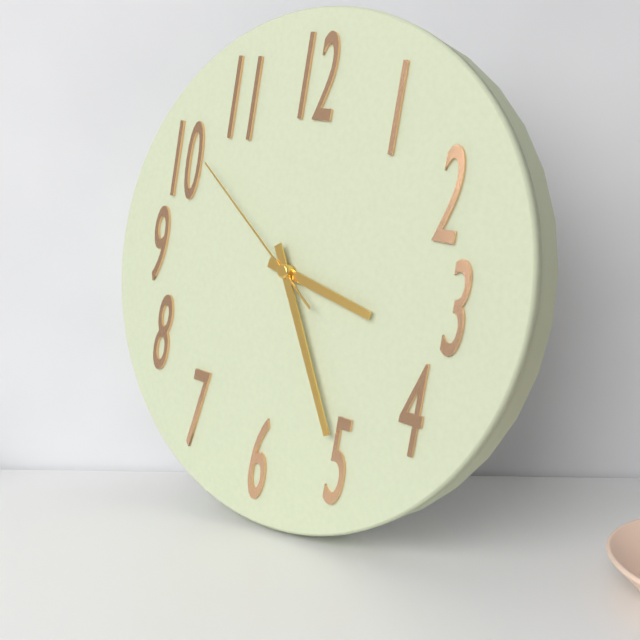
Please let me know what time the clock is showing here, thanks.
3:25:51
